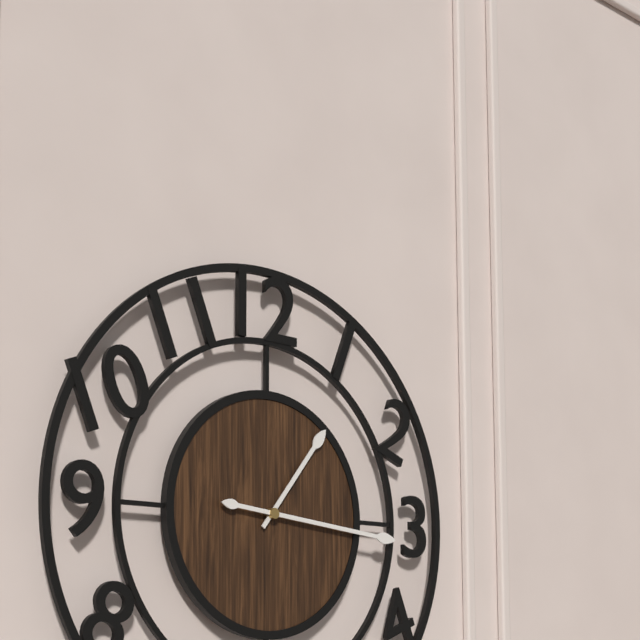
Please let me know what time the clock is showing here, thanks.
1:16
